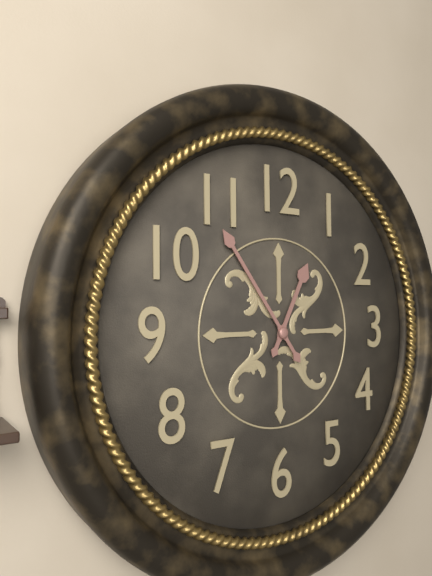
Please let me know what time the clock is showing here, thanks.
12:54
